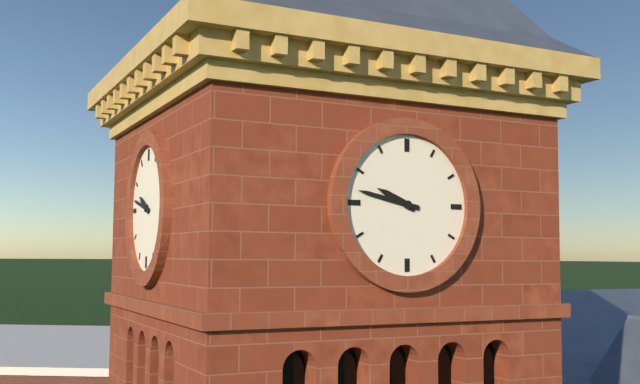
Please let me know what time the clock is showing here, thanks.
9:47
